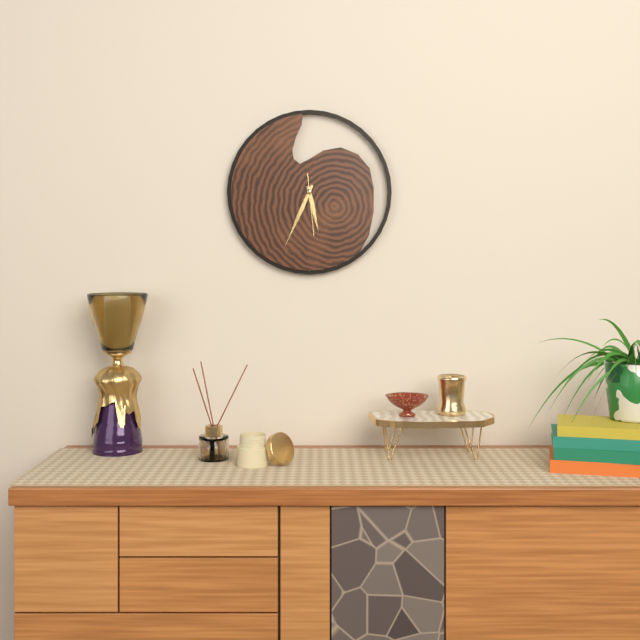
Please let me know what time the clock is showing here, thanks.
5:34:29
